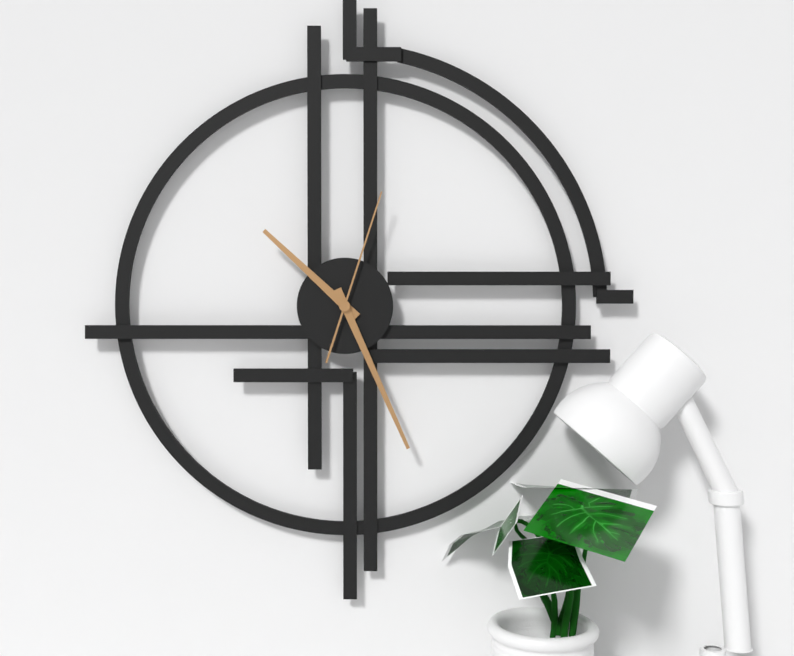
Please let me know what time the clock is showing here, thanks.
10:26:03
